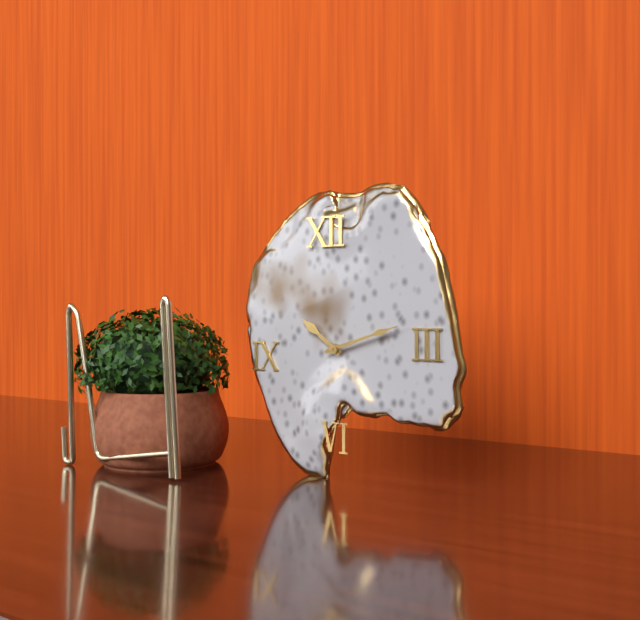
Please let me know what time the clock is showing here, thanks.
10:12
